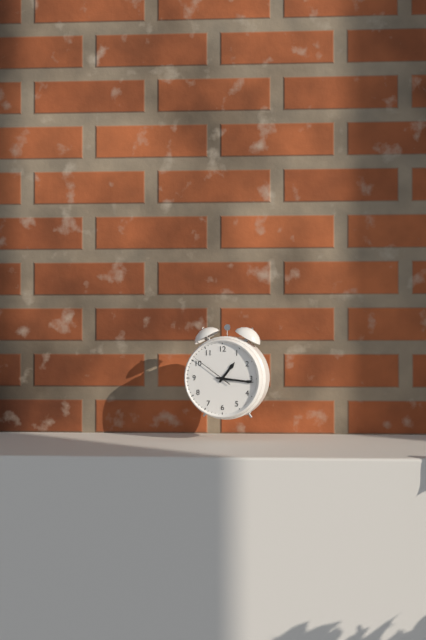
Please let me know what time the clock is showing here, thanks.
1:16
